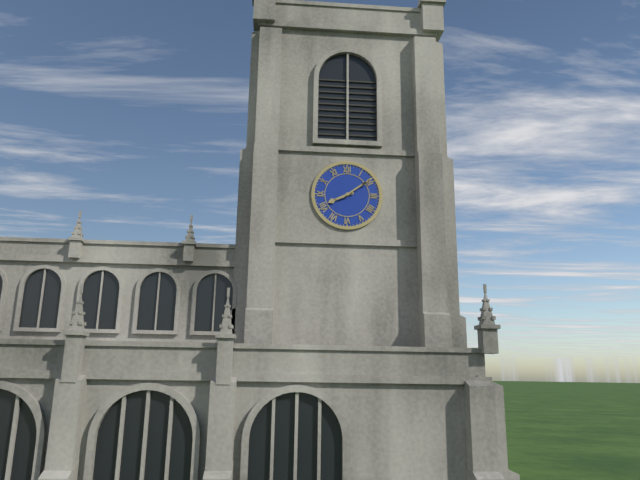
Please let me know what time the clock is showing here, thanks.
8:09
